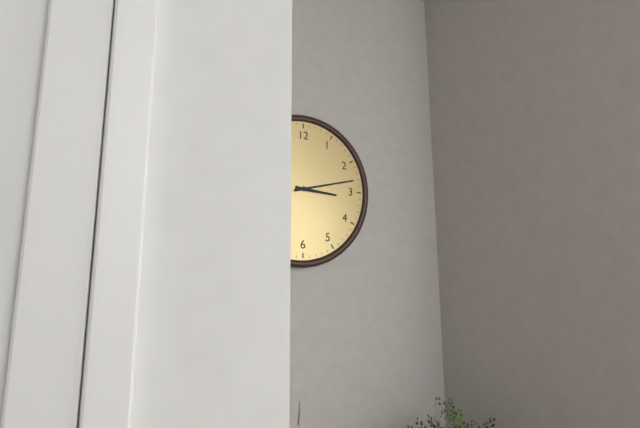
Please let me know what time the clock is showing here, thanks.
3:13
